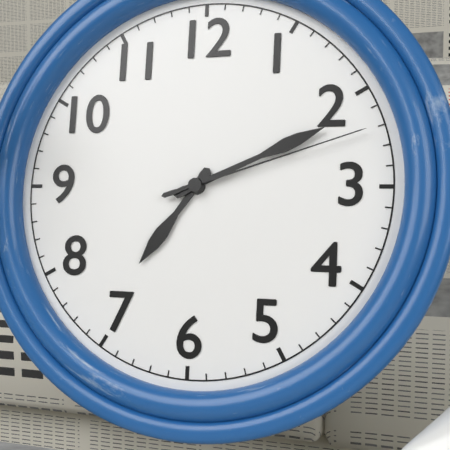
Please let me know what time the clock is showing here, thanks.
7:11:12
